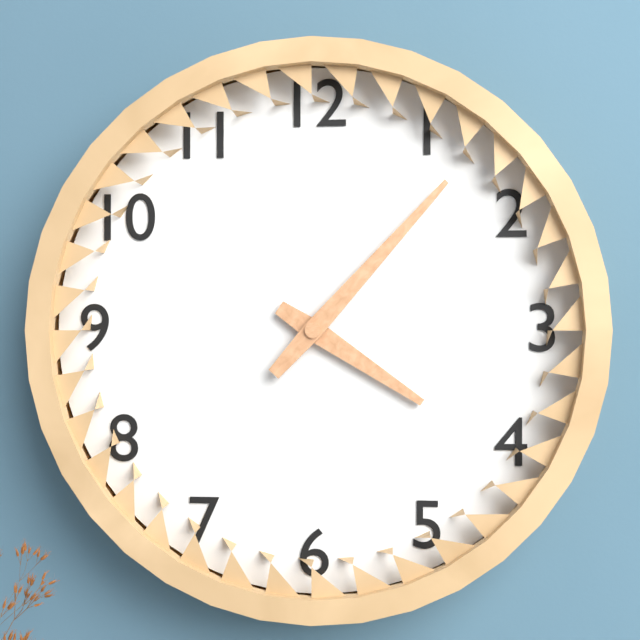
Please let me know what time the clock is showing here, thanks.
4:07
